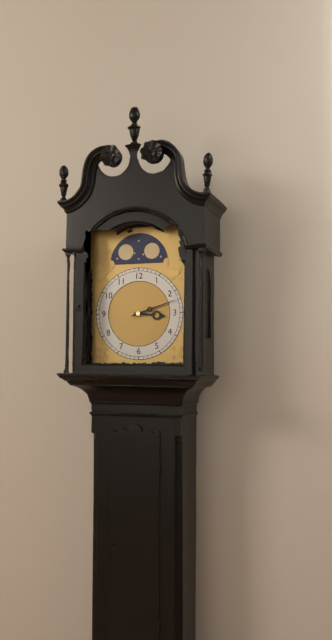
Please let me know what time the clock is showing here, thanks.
3:12
